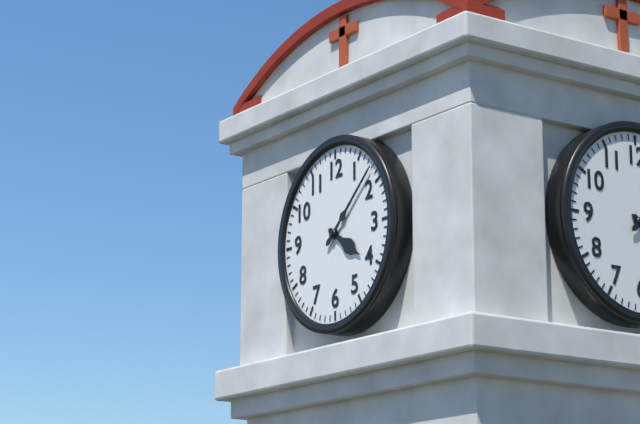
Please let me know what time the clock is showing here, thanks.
4:08
